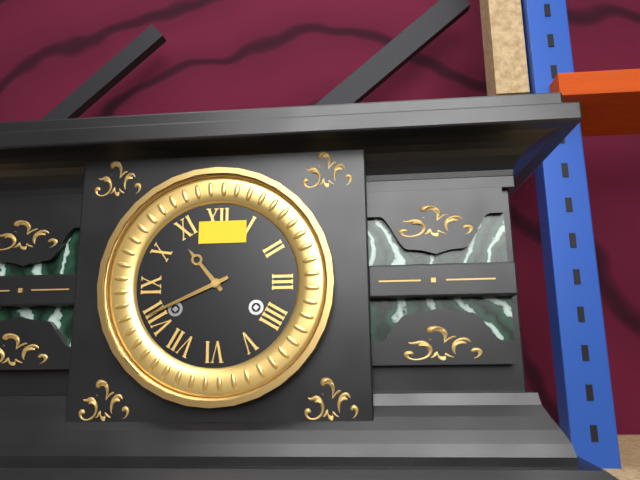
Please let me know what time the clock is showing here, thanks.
10:41
